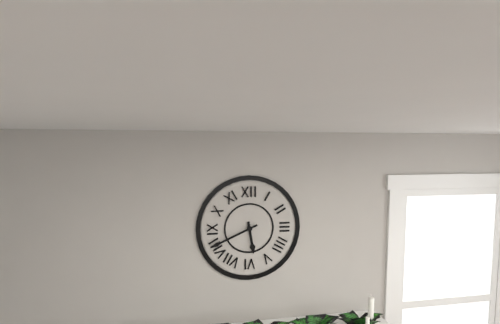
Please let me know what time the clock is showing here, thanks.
5:41
